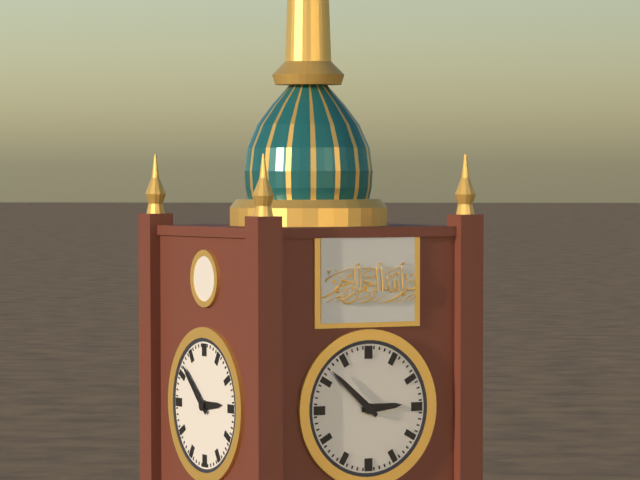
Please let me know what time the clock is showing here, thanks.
2:52
